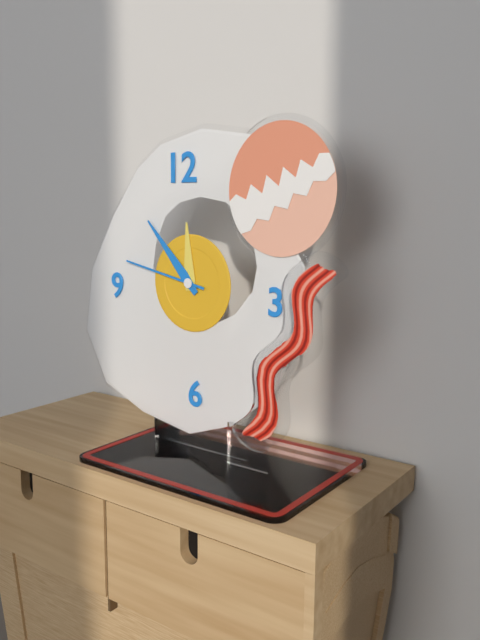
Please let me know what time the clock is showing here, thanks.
11:53:47
